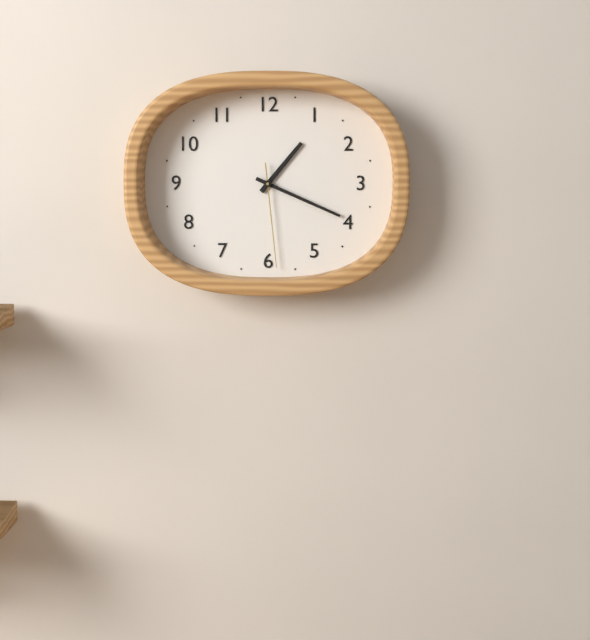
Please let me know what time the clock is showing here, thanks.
1:19:29
